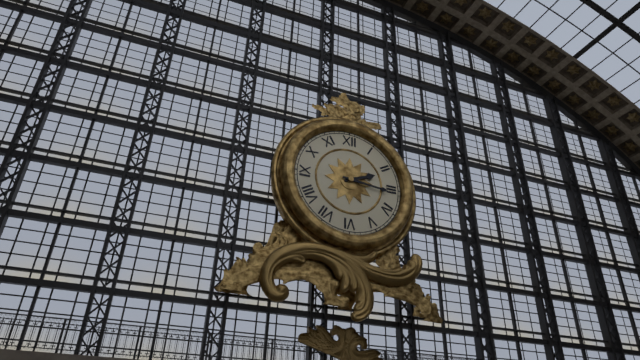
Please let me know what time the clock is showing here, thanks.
2:16
